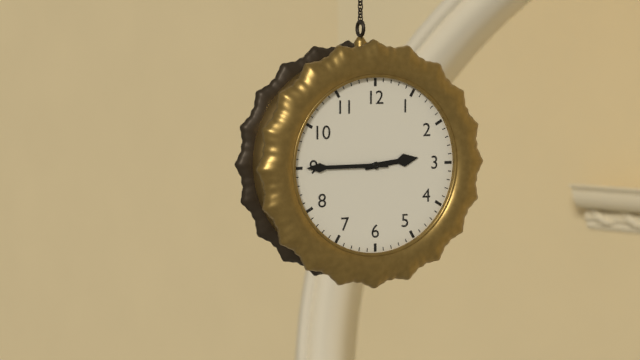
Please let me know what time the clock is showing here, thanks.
2:45
